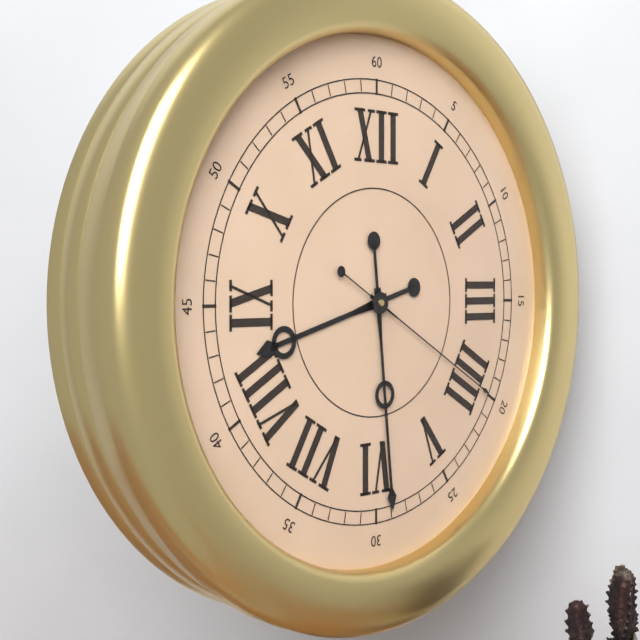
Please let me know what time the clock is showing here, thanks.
8:29:20
